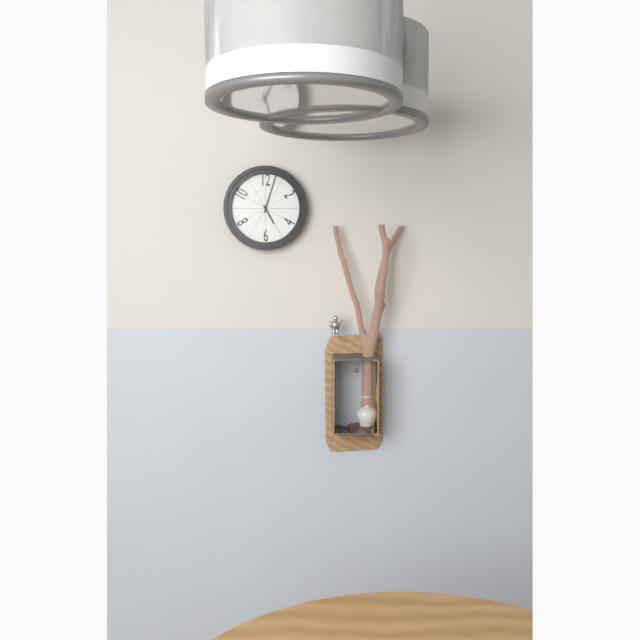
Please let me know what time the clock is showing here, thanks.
5:03
